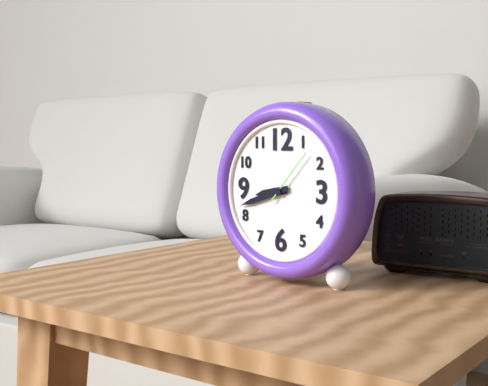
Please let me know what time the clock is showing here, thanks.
8:42:07
